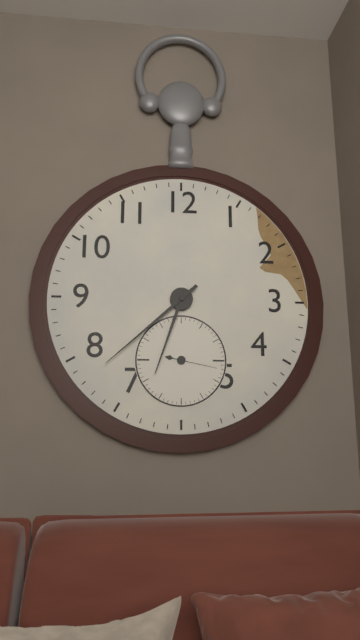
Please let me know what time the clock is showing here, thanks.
6:38
